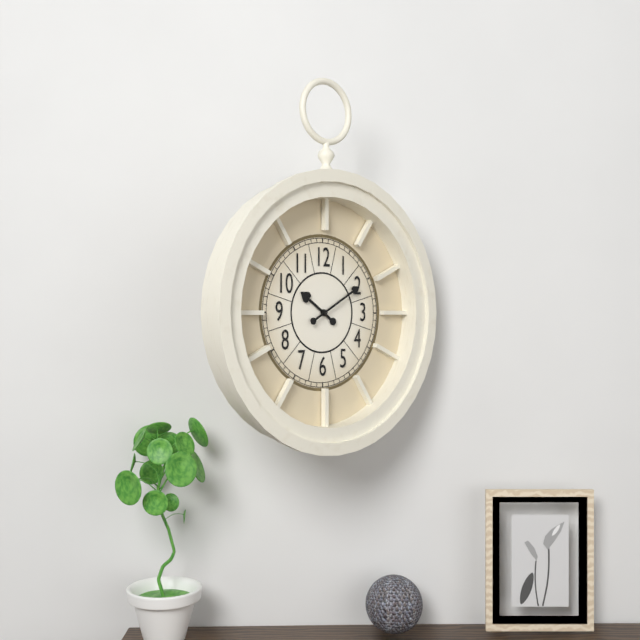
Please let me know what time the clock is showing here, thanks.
10:10
